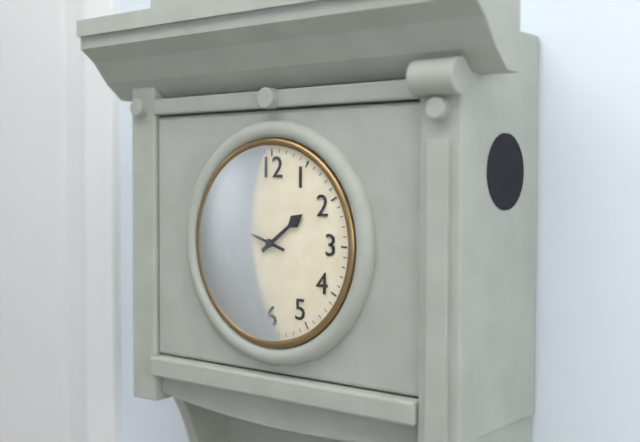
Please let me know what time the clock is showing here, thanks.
1:48
